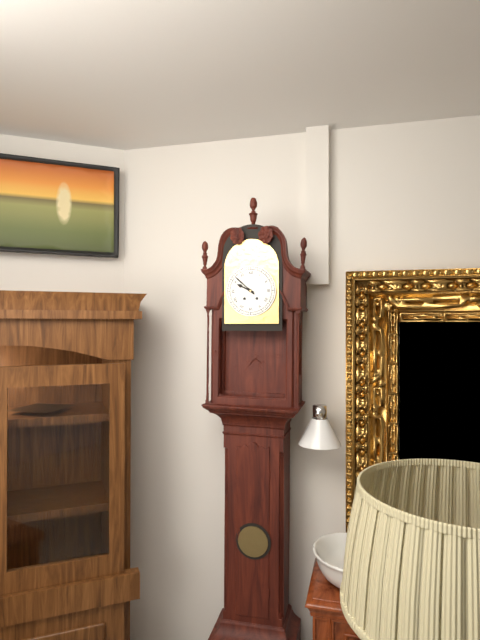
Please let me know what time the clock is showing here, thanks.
9:52
